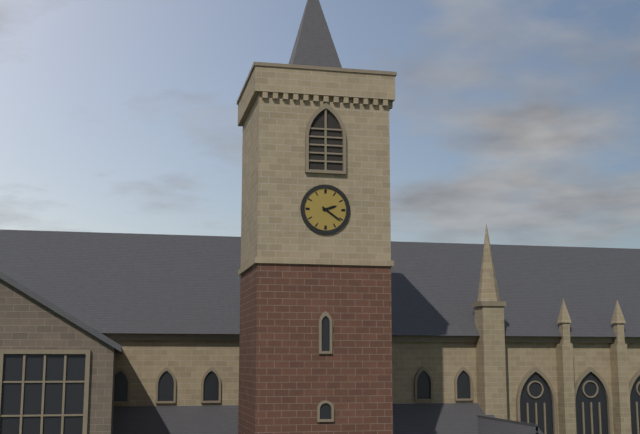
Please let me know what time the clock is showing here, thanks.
2:21
